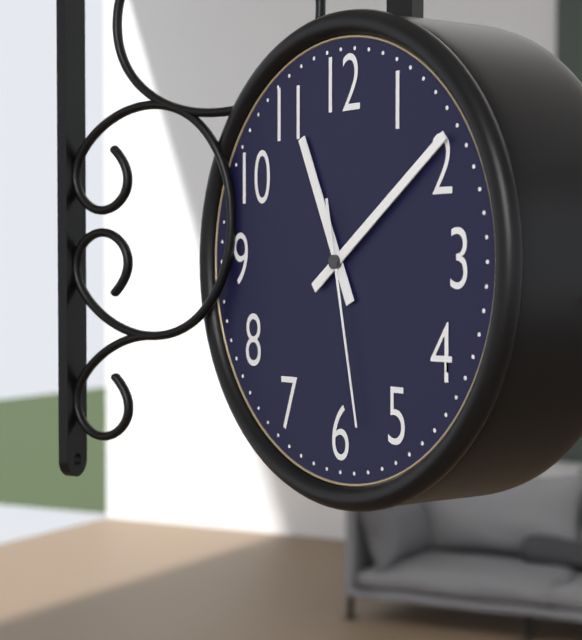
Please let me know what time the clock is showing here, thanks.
11:09:28
